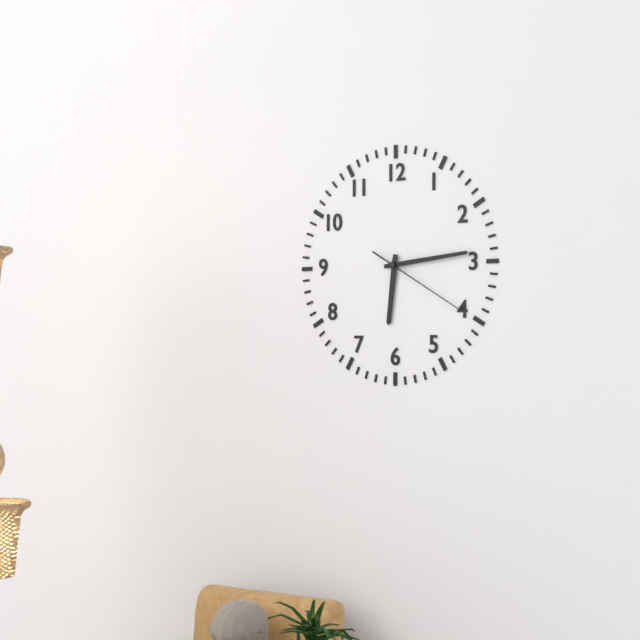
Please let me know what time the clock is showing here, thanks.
6:14:20
